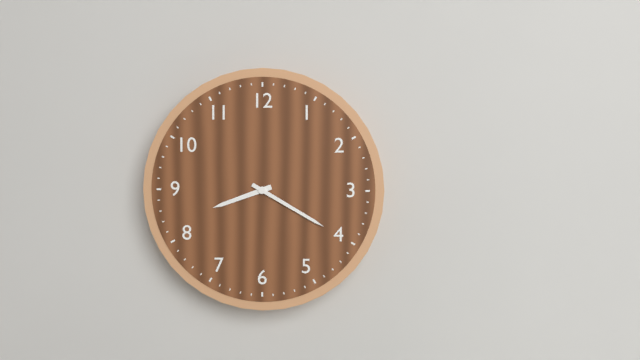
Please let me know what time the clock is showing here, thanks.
8:20
